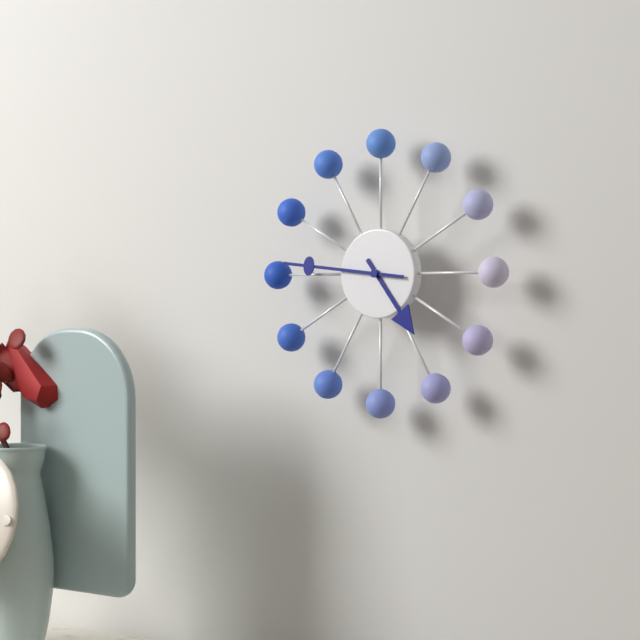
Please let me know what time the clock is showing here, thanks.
4:46
